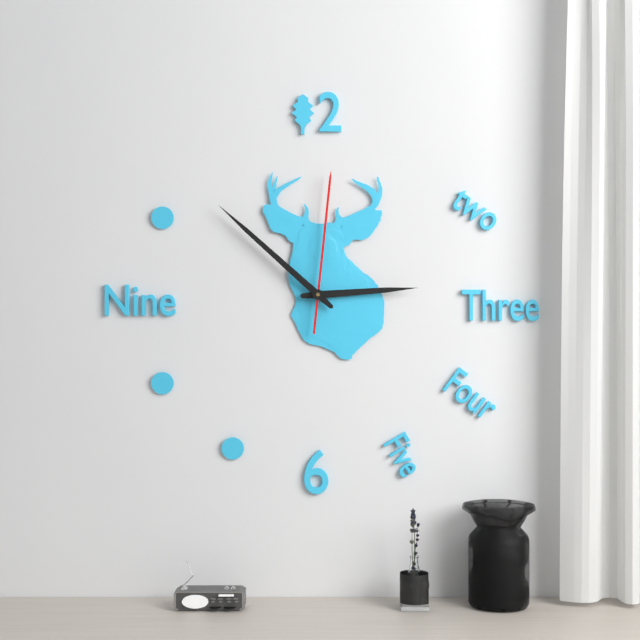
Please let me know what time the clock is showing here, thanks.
2:52:01
